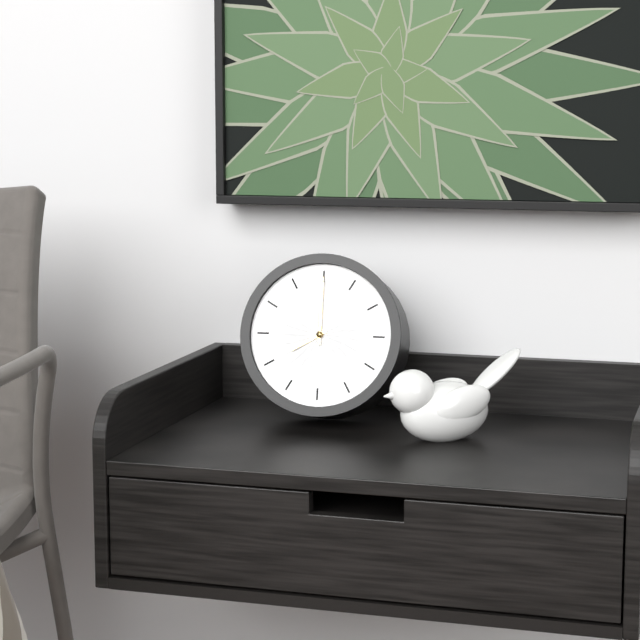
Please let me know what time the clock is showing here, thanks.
8:00
